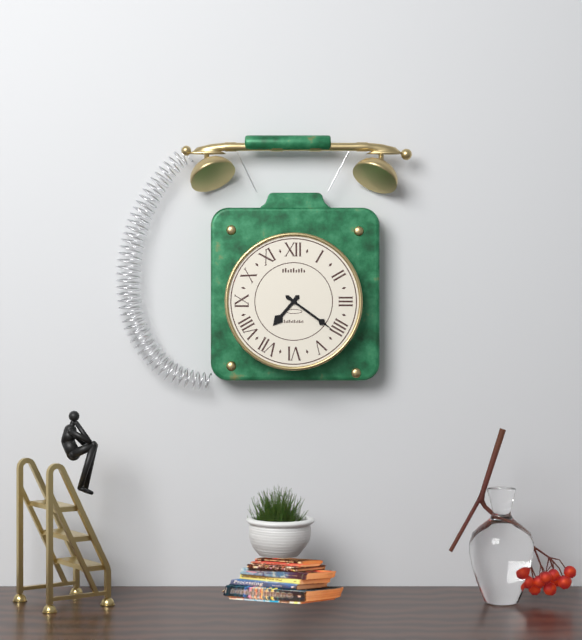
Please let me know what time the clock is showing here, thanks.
7:21
